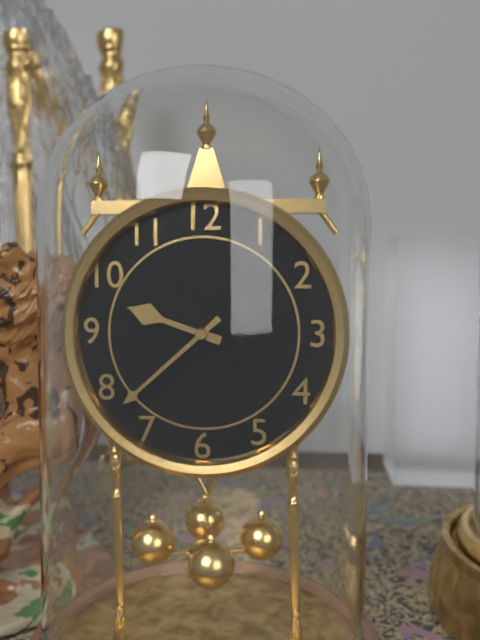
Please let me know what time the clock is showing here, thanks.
9:38
